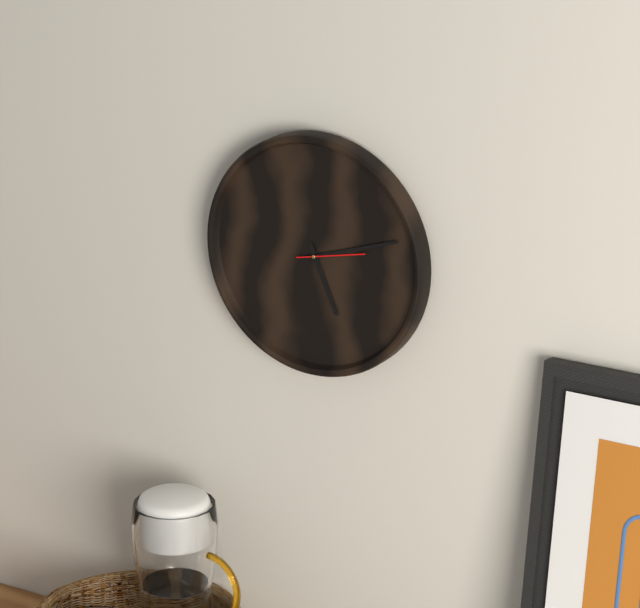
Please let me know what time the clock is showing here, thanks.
5:12:13
